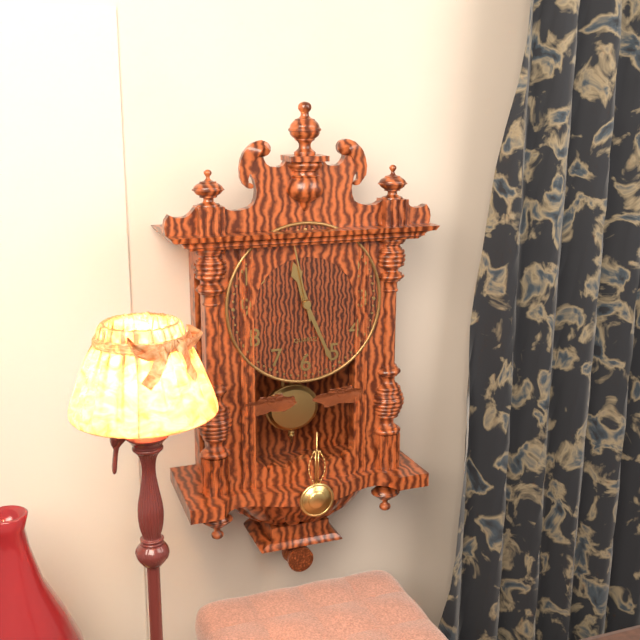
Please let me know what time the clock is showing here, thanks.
11:26:58
